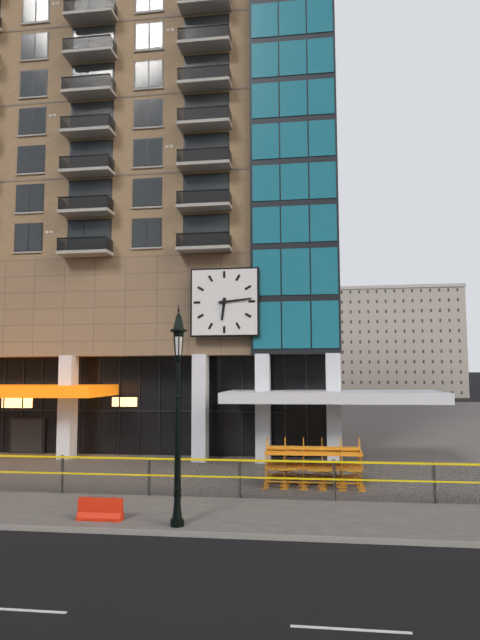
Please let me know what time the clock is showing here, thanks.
6:14
